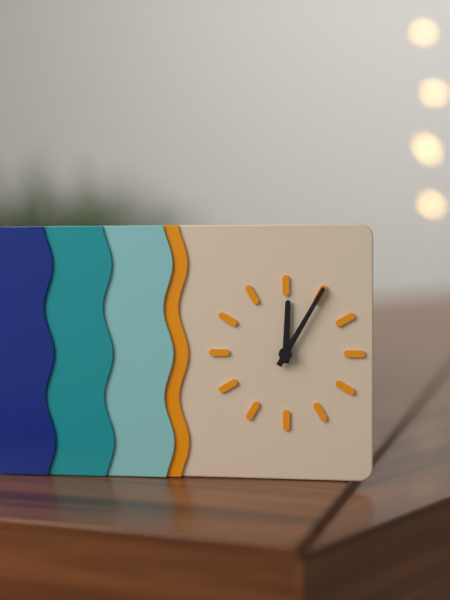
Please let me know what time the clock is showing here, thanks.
12:05
